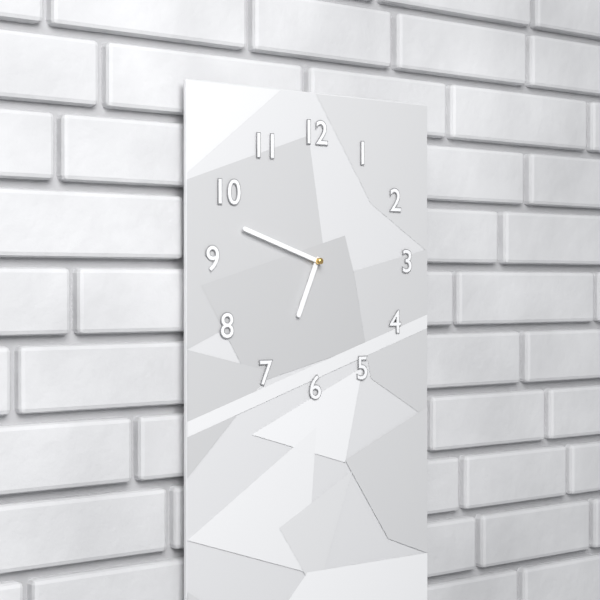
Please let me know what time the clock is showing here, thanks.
6:48
